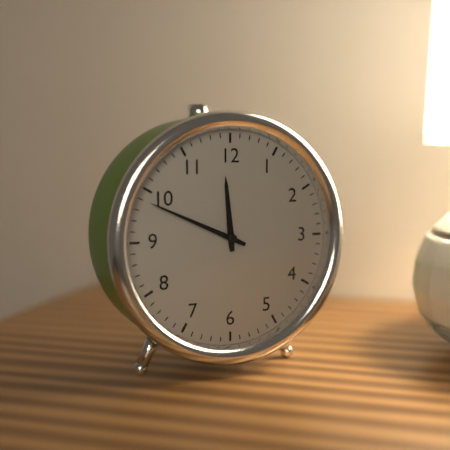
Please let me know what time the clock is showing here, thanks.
11:49
